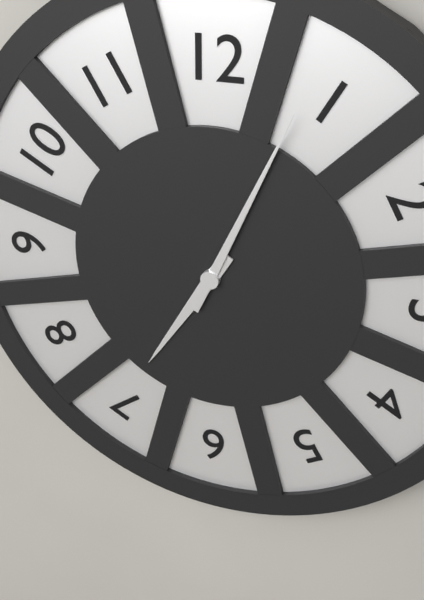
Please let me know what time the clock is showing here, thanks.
7:04
